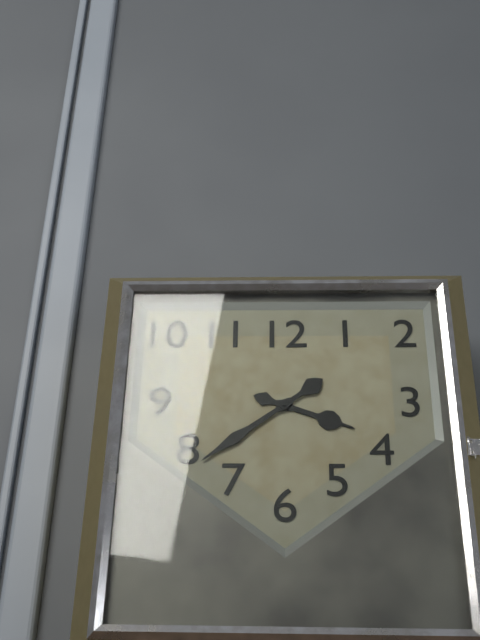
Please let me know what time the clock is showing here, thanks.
3:39
